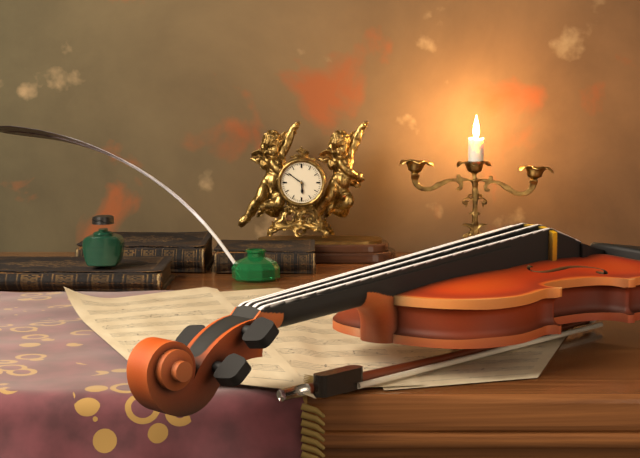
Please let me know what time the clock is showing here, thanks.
5:51
